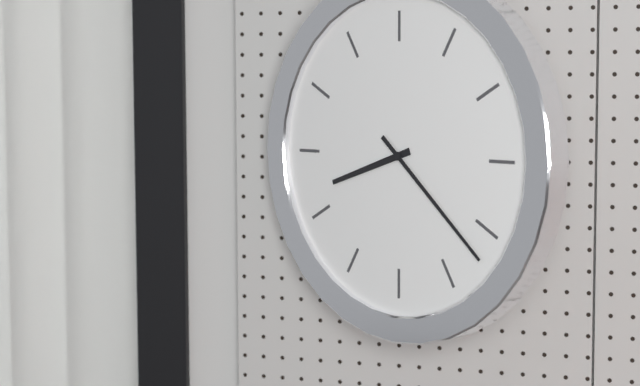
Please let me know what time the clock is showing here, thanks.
8:22
